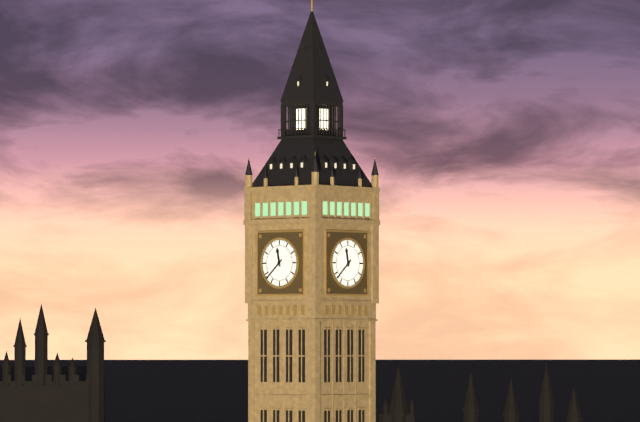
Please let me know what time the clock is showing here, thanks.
11:38
